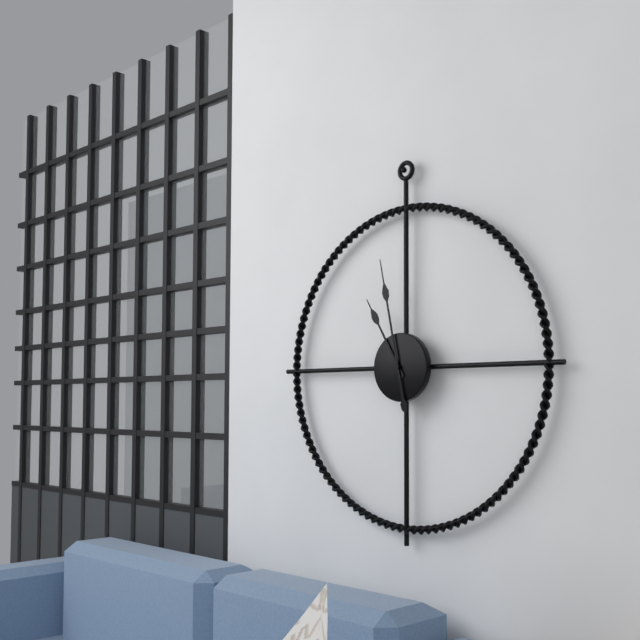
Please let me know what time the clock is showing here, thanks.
10:58
